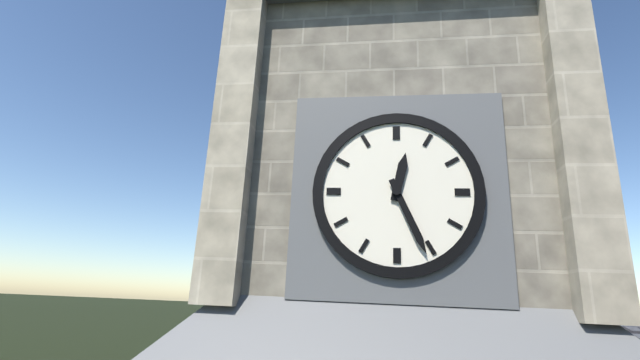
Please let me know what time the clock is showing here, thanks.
12:26
